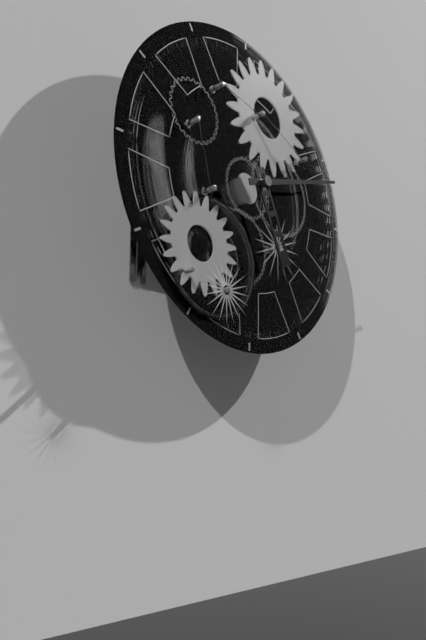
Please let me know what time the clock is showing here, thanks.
5:12
